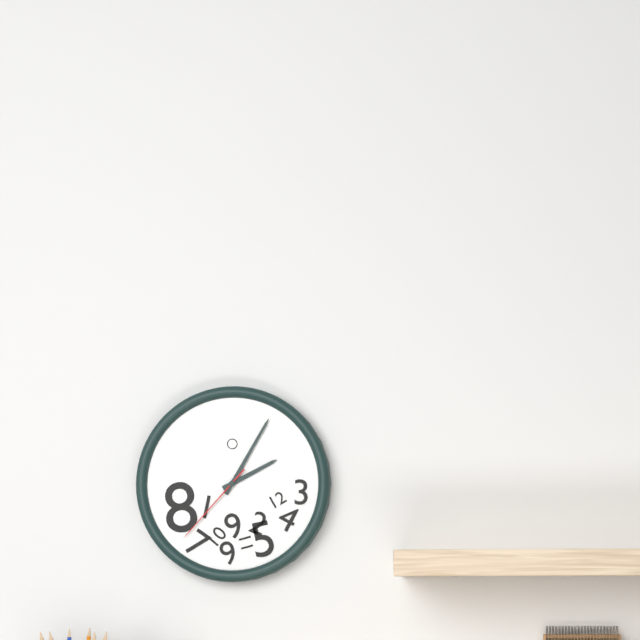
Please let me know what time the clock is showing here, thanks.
2:05:37
